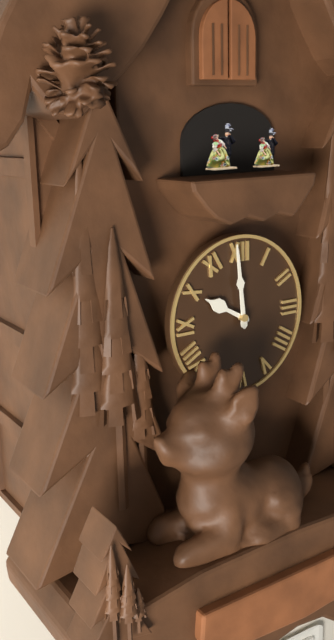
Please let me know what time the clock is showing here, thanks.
9:59
